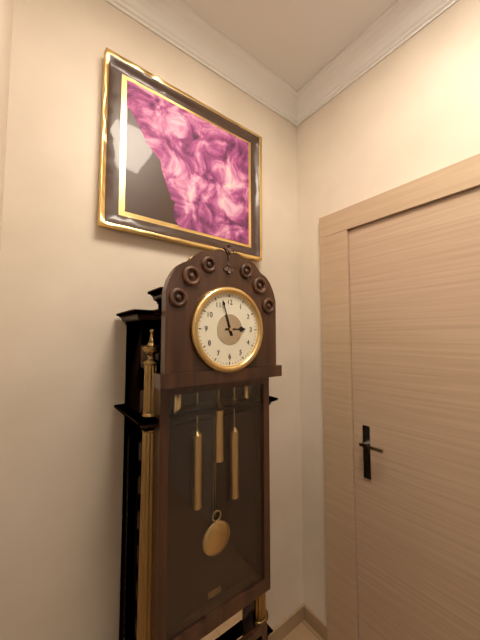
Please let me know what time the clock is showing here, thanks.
2:57
